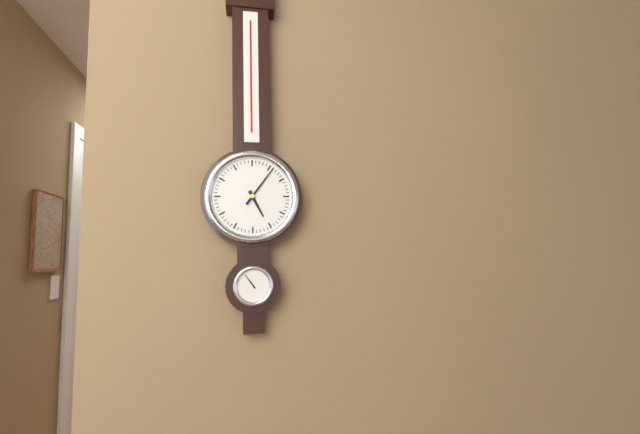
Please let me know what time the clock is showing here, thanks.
5:06
